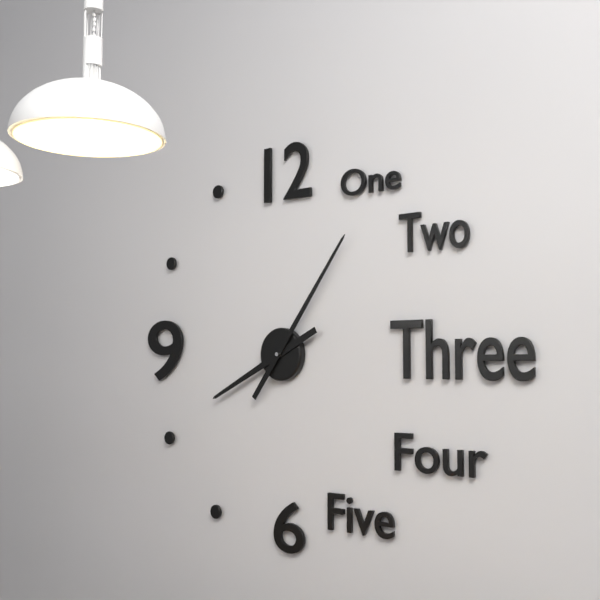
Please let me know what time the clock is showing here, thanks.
8:06
